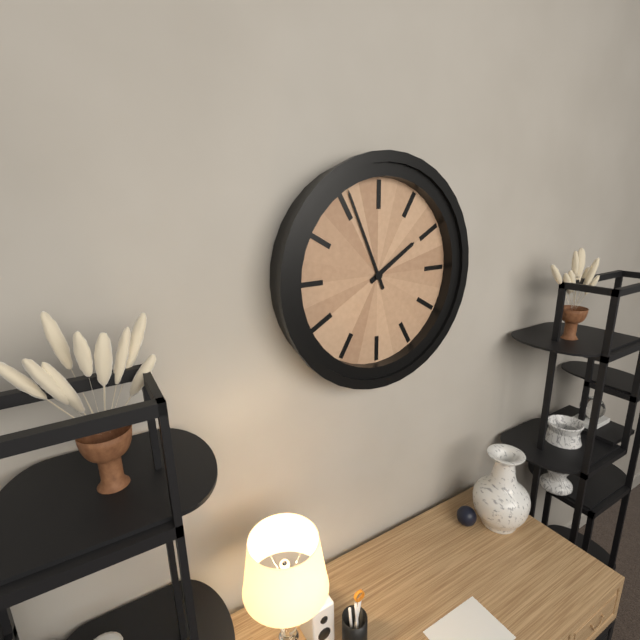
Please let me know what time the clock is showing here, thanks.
1:56
